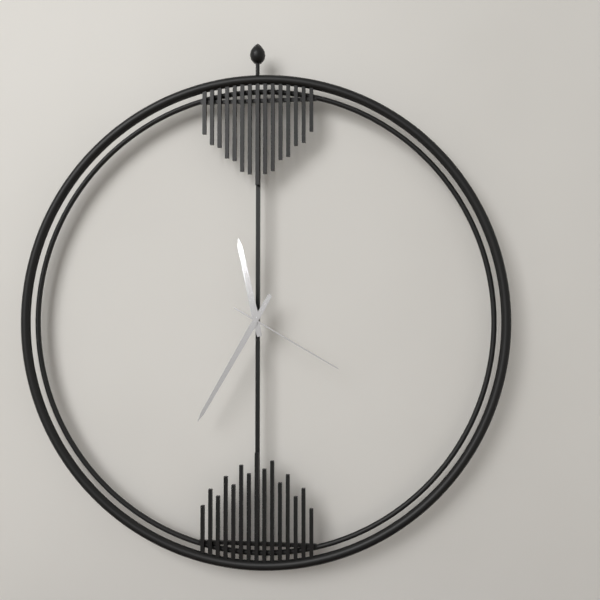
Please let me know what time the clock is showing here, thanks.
11:35:20
